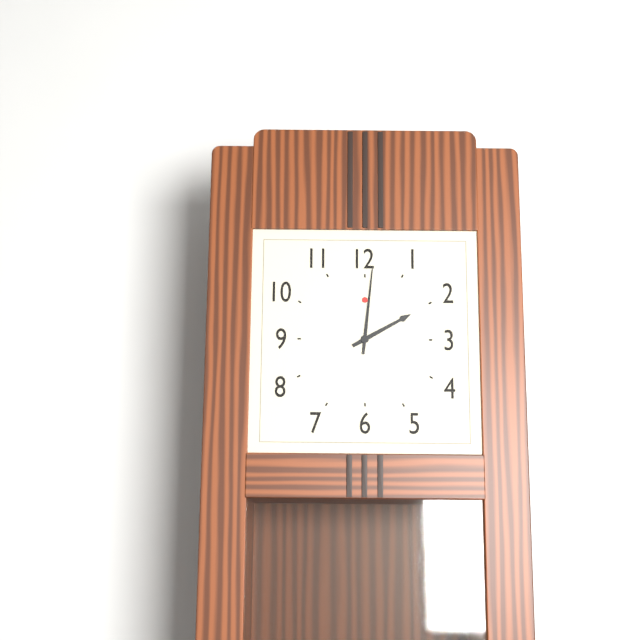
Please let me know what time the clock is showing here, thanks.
2:01
